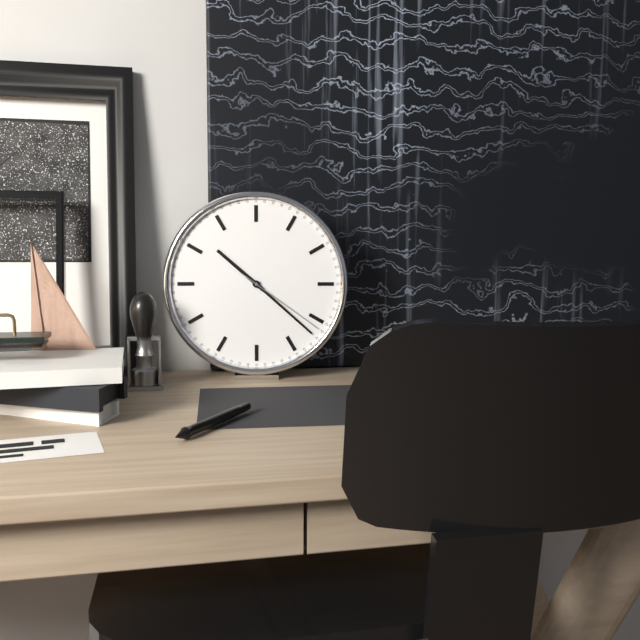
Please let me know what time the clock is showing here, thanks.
10:22:21
